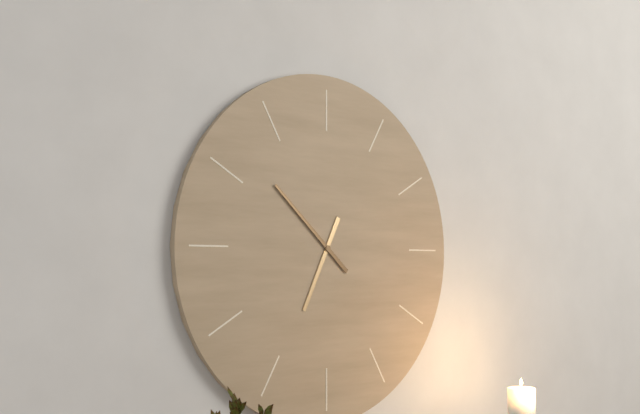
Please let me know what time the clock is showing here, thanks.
6:52
